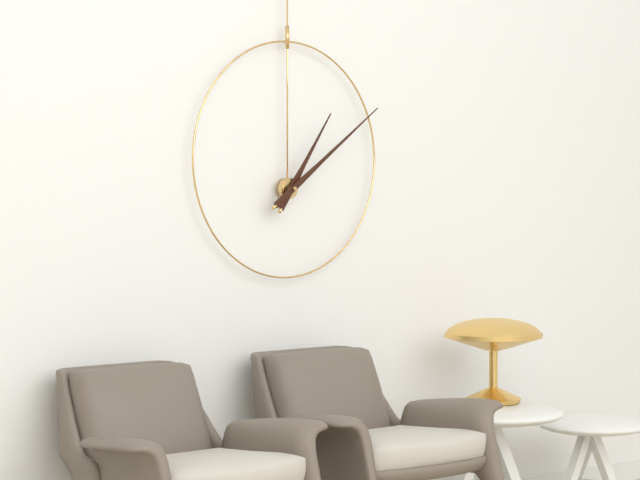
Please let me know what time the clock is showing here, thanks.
1:09
